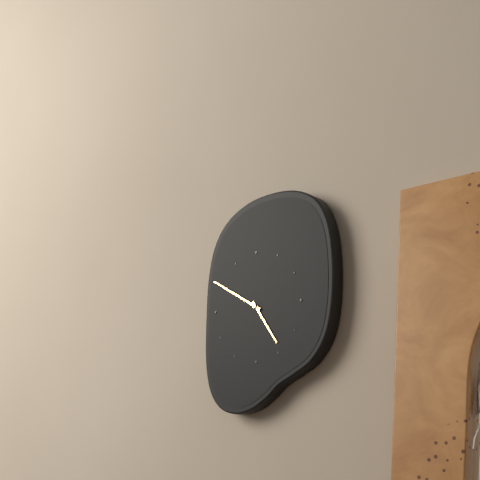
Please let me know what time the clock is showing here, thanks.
4:50
